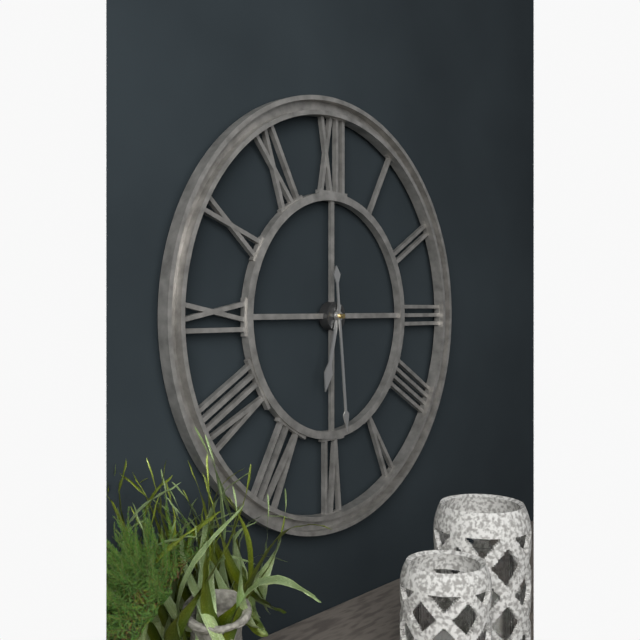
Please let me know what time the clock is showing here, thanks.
6:29
